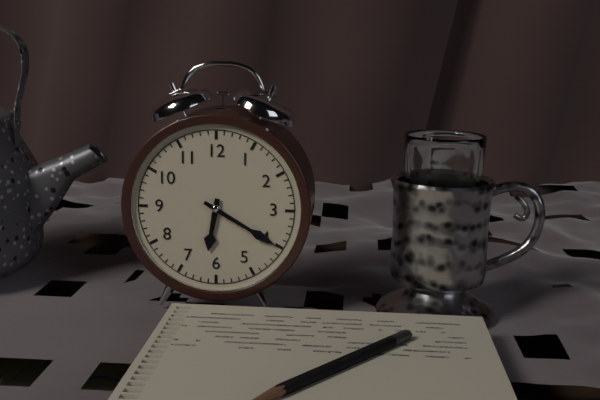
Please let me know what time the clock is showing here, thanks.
6:20
